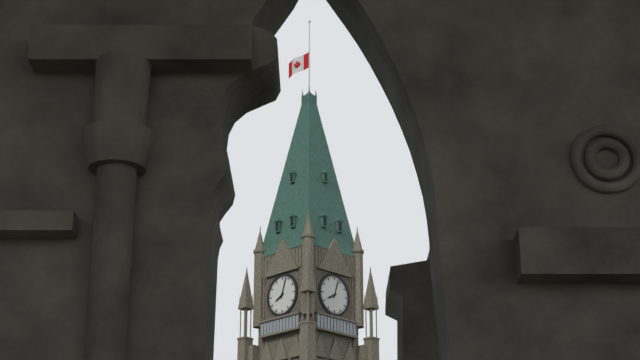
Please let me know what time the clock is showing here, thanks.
8:03
